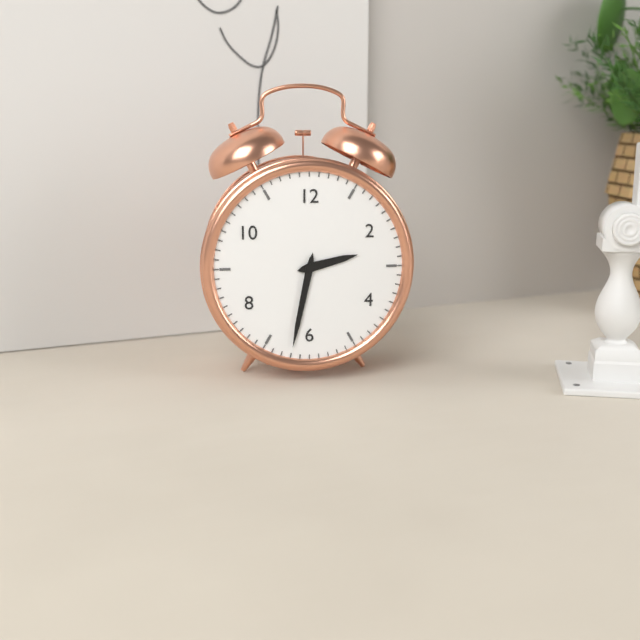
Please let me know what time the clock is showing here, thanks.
2:32
